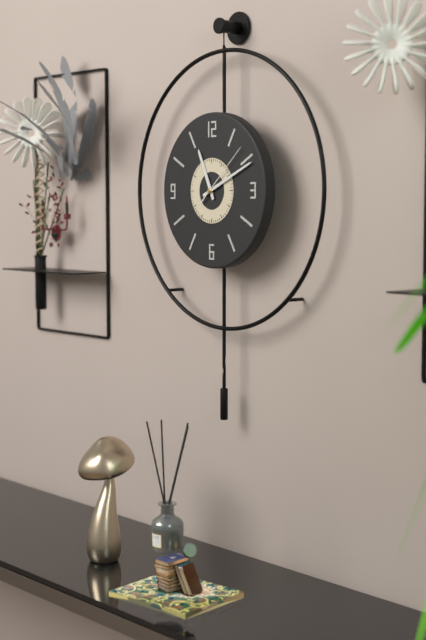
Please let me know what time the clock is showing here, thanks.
11:11:08
